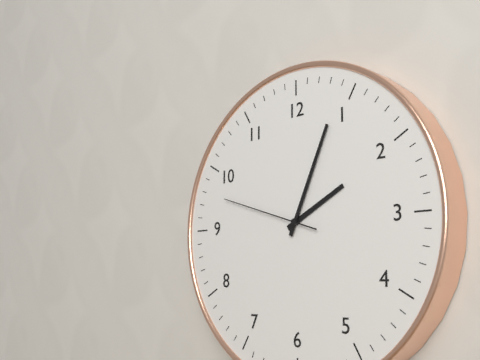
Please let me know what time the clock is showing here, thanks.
2:04:48
